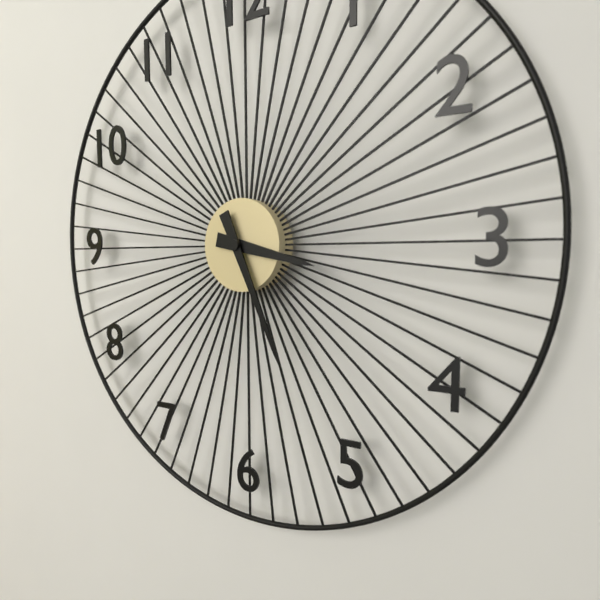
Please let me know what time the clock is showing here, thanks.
3:26
